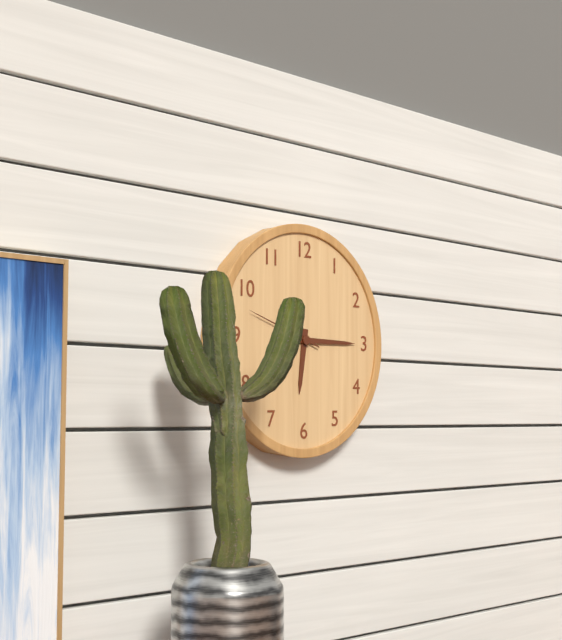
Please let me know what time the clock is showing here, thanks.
6:15:48
